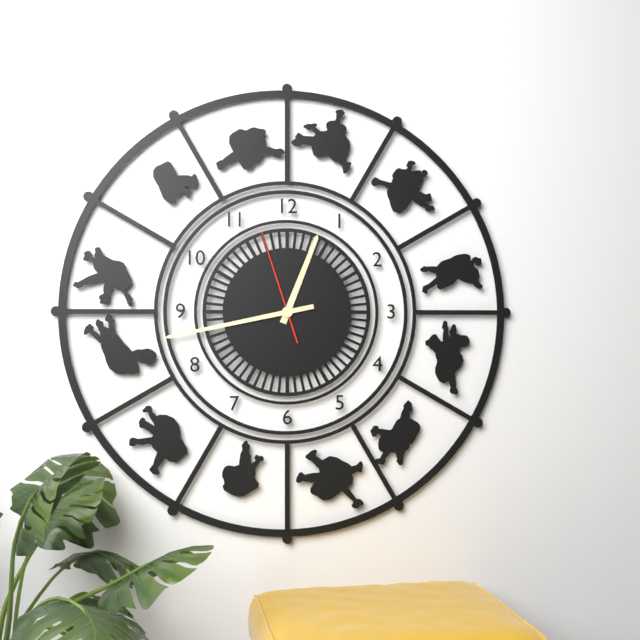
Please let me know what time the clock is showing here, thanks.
12:43:57
